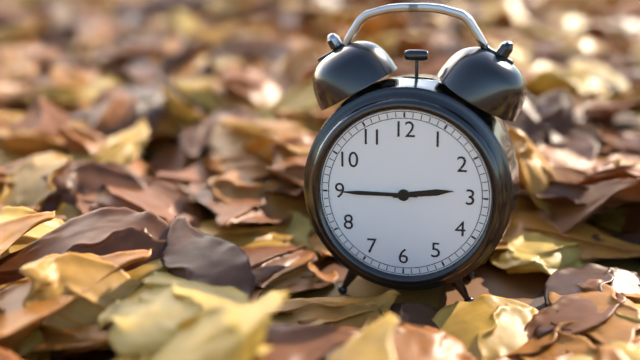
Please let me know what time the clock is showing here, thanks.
2:45
